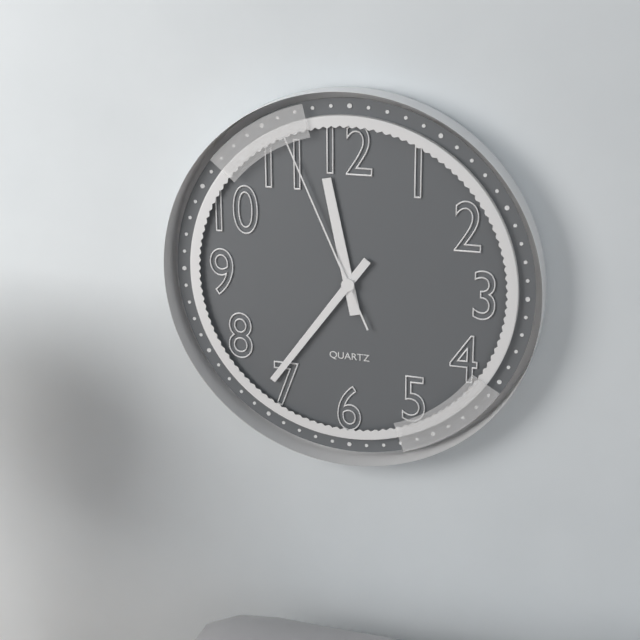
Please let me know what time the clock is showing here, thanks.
11:36:56
